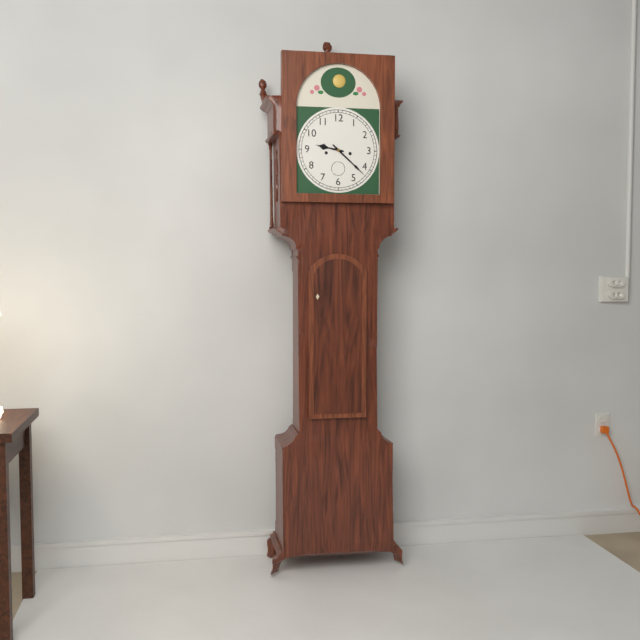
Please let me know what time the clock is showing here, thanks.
9:22
